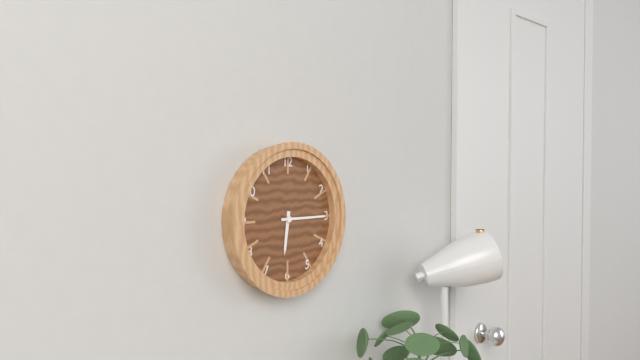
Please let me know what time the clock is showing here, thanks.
6:15
